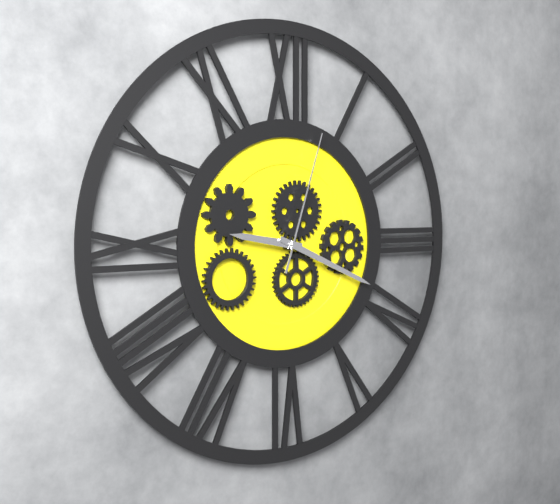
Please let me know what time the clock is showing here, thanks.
9:19:03
